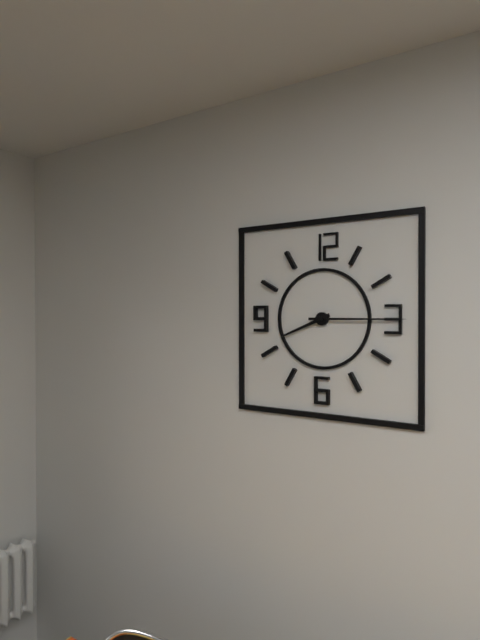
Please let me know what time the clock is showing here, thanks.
8:15
